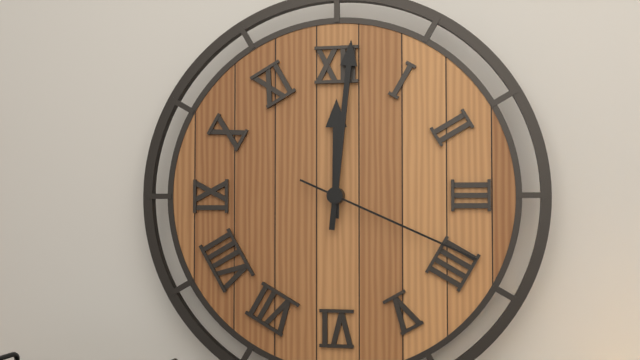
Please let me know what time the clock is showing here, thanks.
12:01:19
